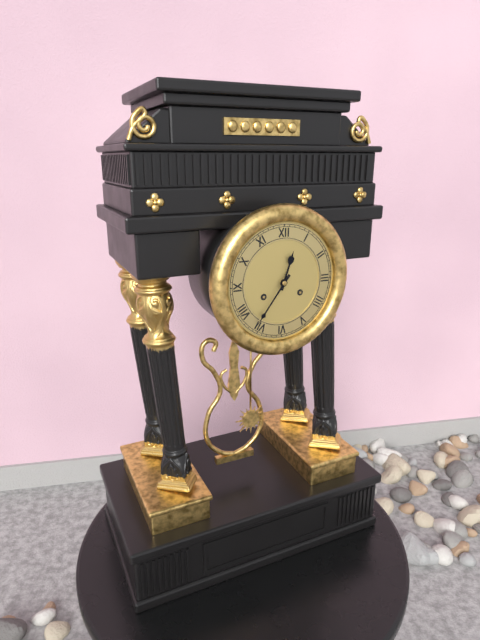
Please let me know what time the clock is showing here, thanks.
12:36
